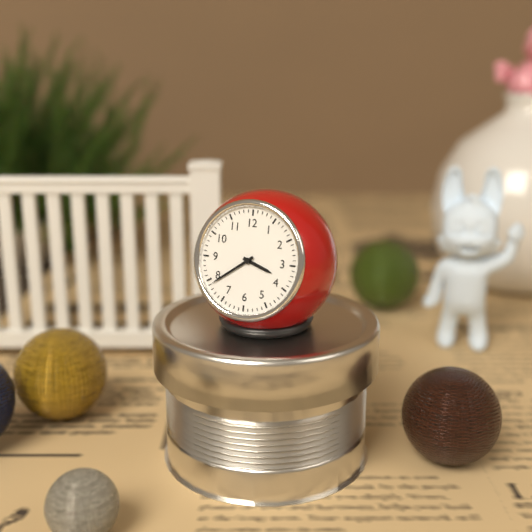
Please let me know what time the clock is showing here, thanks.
3:39
